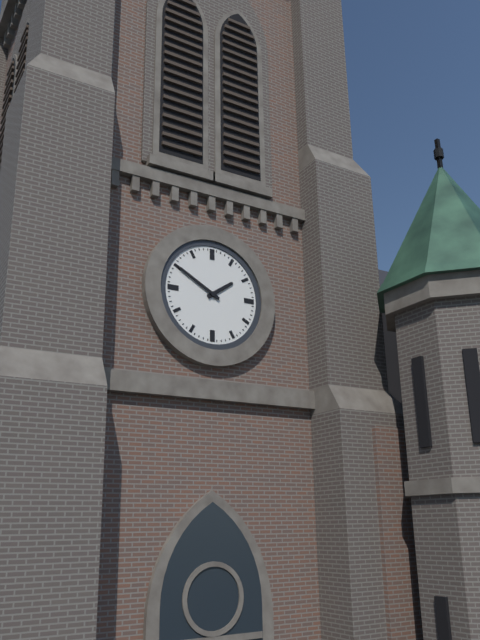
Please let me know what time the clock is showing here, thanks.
1:50
